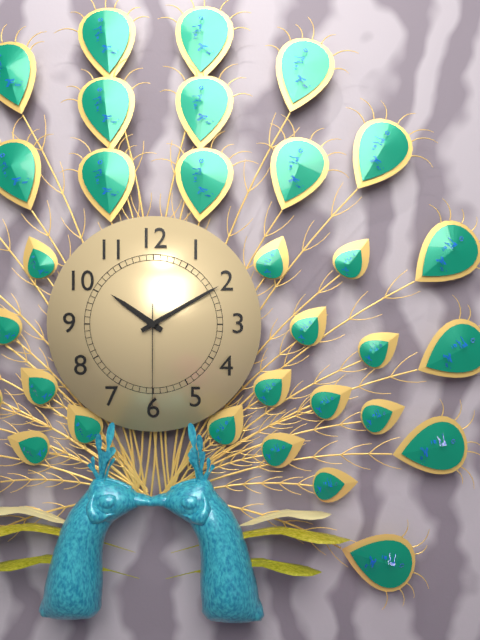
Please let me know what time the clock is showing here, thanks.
10:10:30
